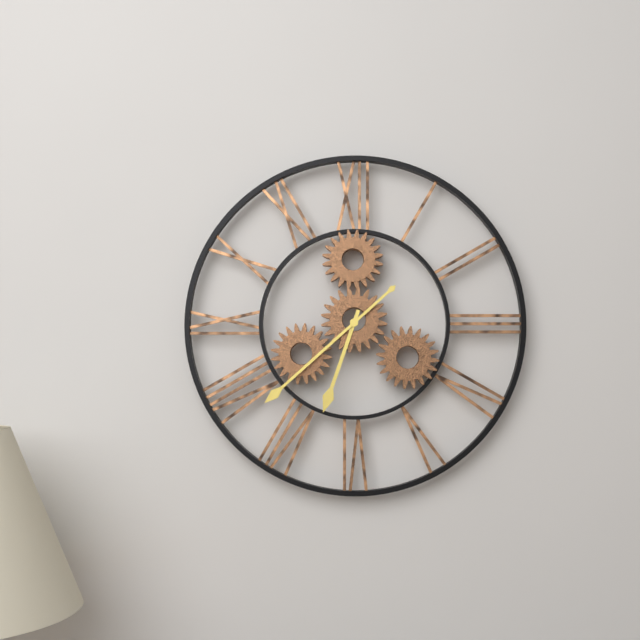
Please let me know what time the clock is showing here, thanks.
6:38
